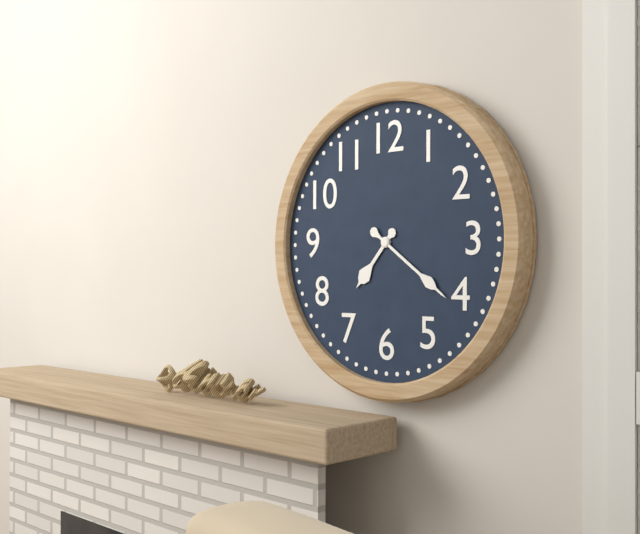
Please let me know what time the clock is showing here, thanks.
7:21
